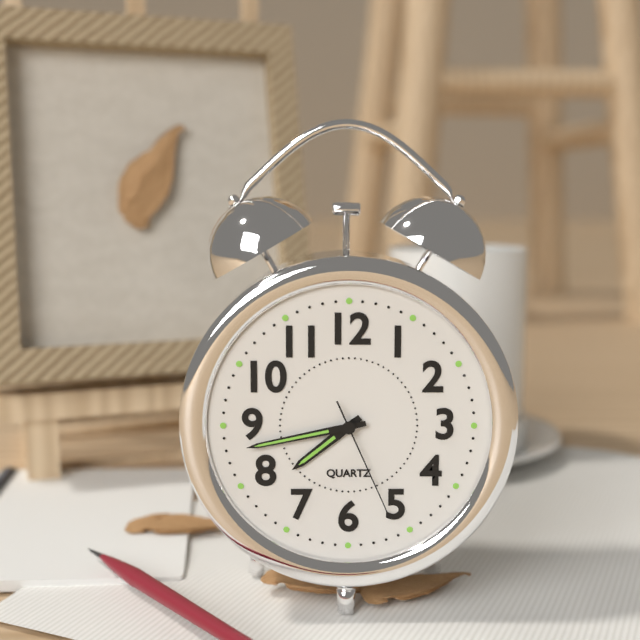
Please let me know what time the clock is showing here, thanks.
7:43:26
